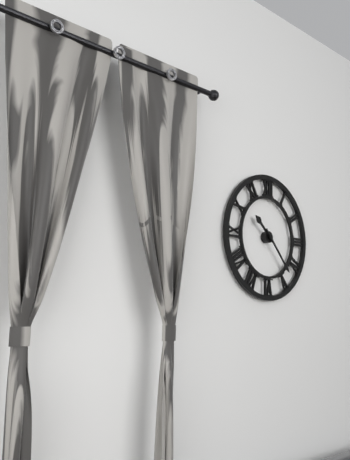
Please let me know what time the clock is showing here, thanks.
10:23
